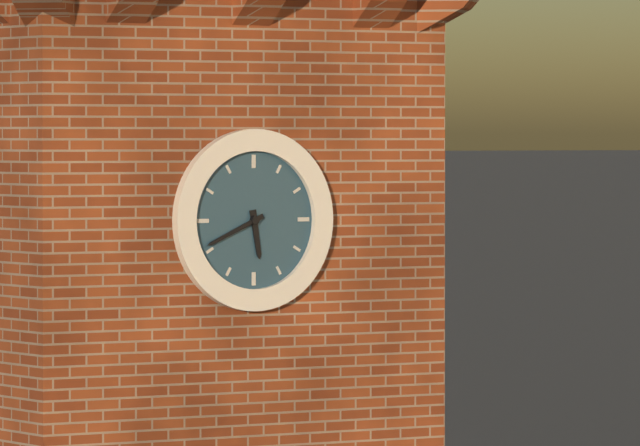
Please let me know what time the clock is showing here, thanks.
5:41
